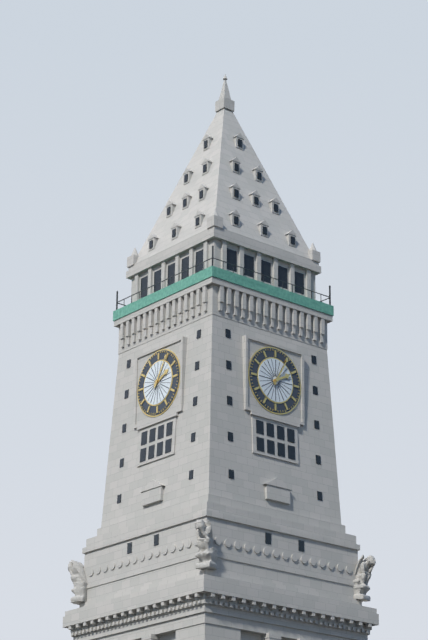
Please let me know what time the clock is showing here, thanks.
2:05
